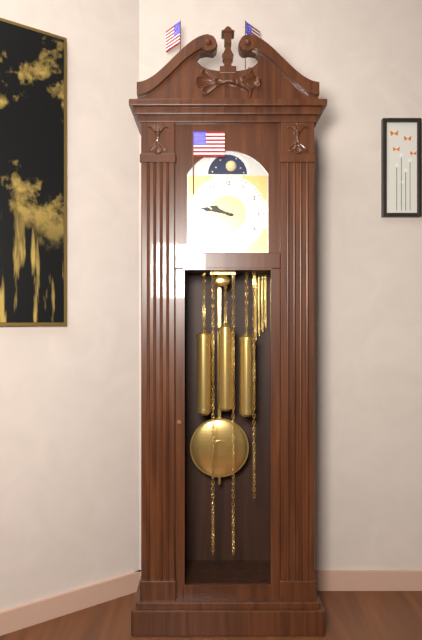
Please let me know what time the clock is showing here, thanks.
9:47
